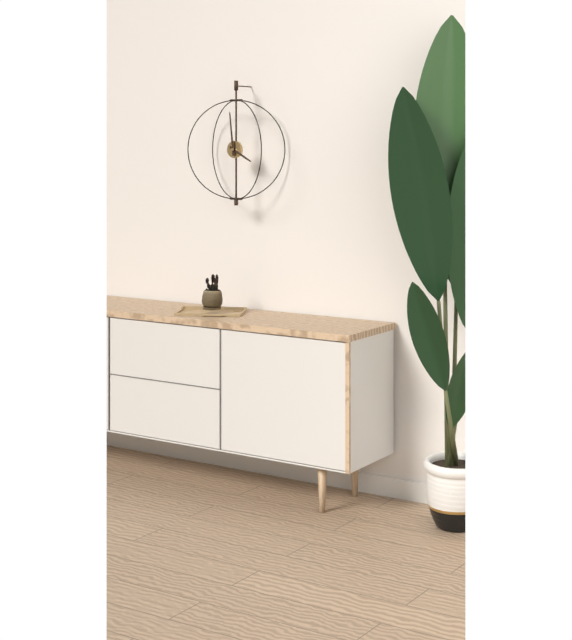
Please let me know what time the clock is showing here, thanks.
3:59
